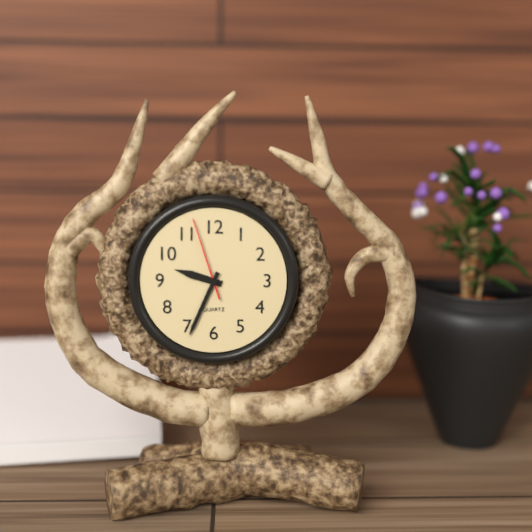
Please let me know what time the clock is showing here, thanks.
9:34:57
